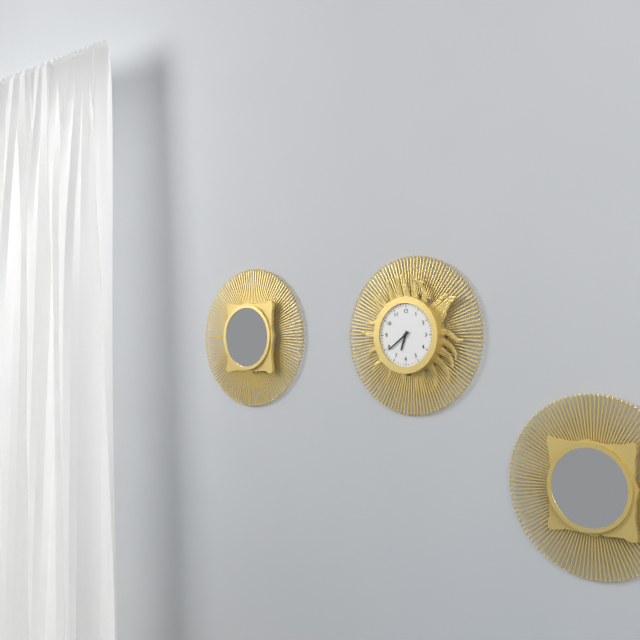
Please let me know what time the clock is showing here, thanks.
6:39
